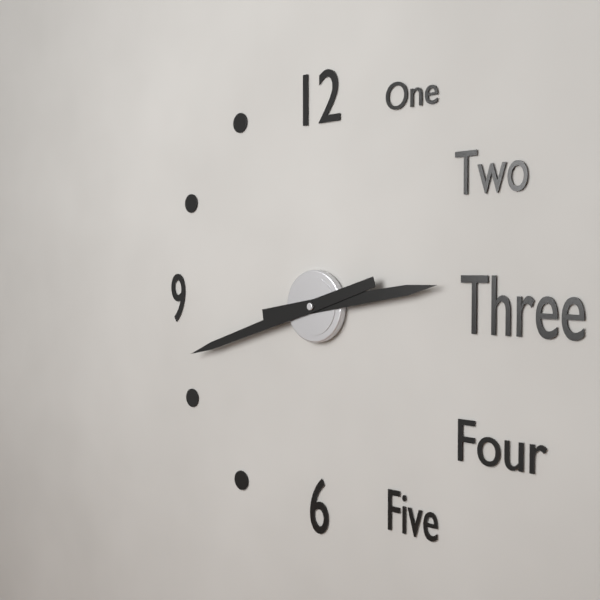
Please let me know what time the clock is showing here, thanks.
2:42
